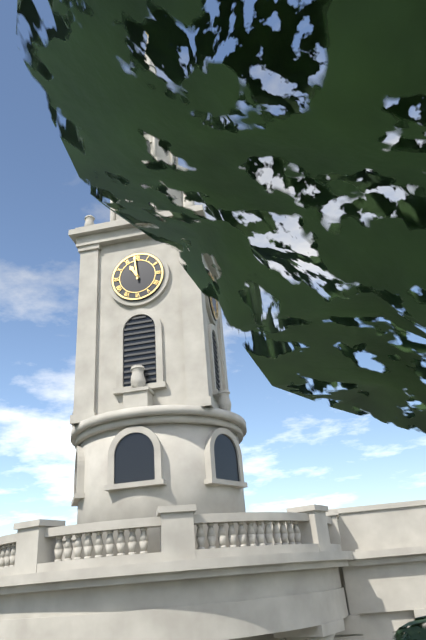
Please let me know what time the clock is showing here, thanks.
10:59
